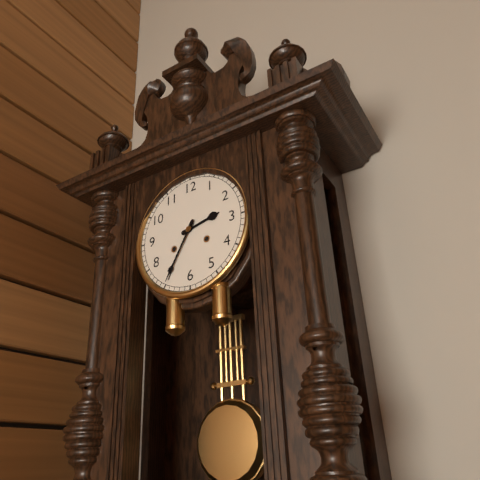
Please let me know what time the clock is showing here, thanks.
2:35
